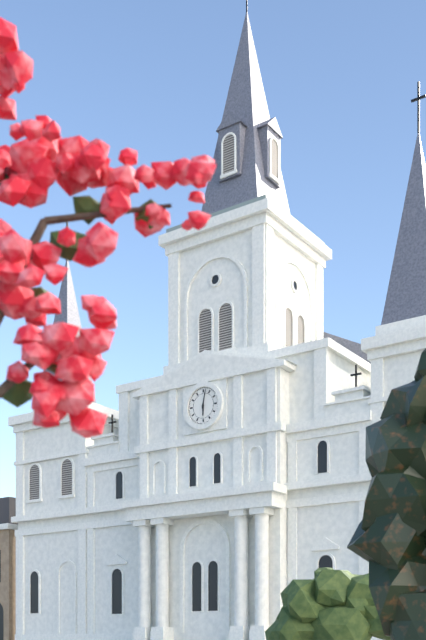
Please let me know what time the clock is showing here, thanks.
6:02
